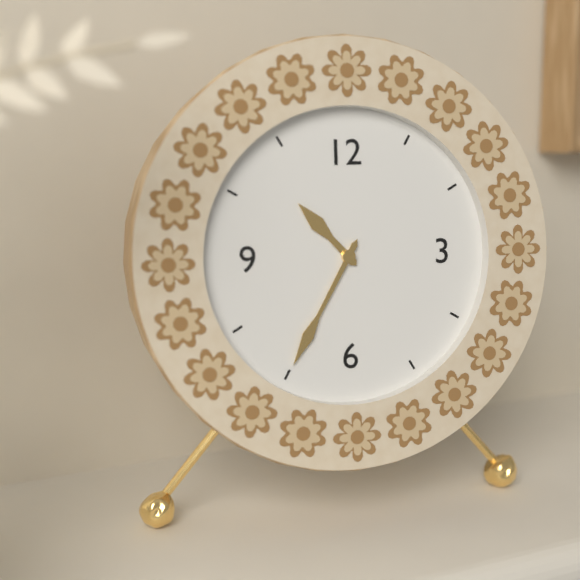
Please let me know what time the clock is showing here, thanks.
10:35
